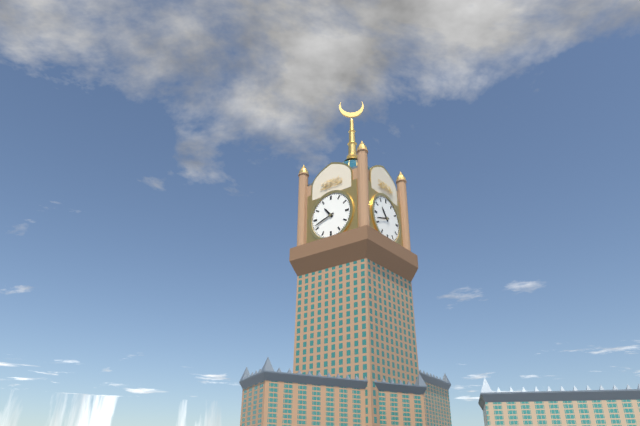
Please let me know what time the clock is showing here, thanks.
10:42
